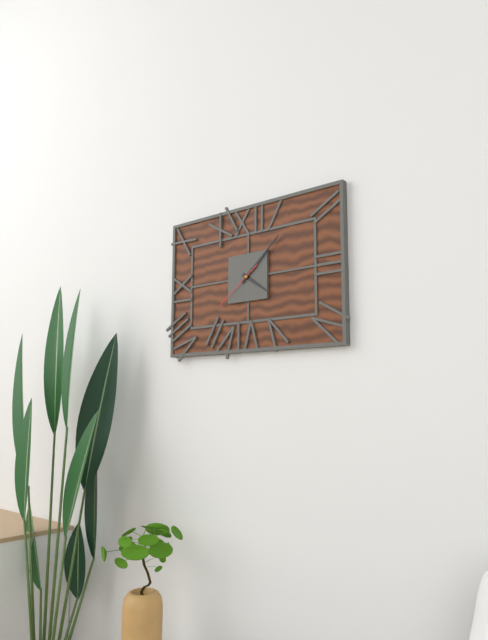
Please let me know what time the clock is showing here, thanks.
4:08:39
